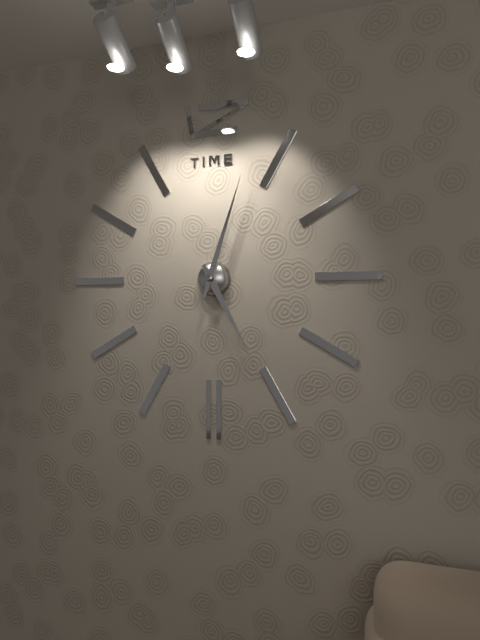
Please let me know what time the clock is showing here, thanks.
5:03
